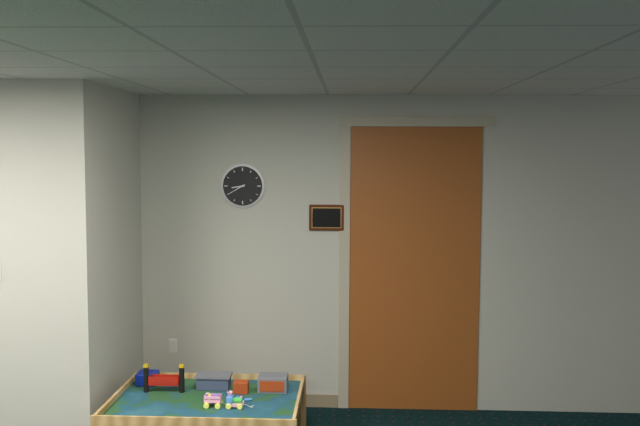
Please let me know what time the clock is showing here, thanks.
8:40
